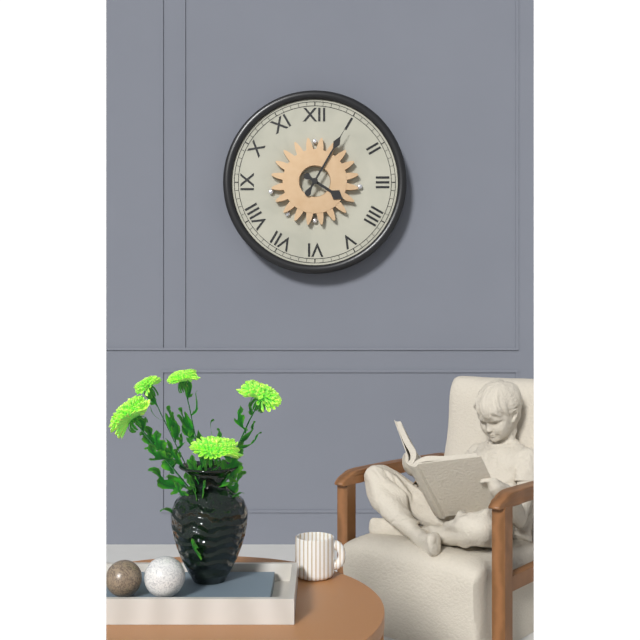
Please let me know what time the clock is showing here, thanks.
4:05
